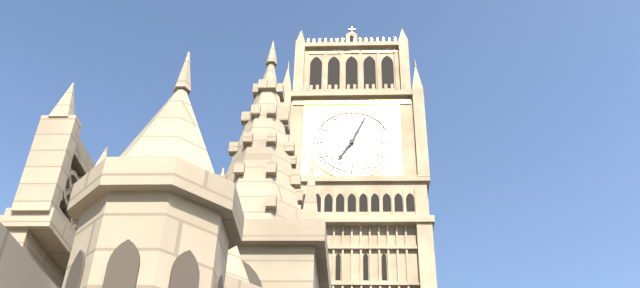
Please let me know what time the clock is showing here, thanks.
7:04
